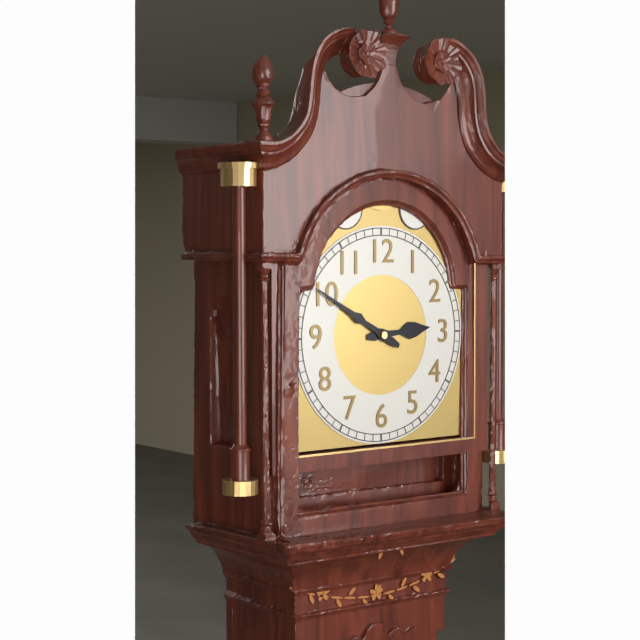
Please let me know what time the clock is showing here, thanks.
2:50
